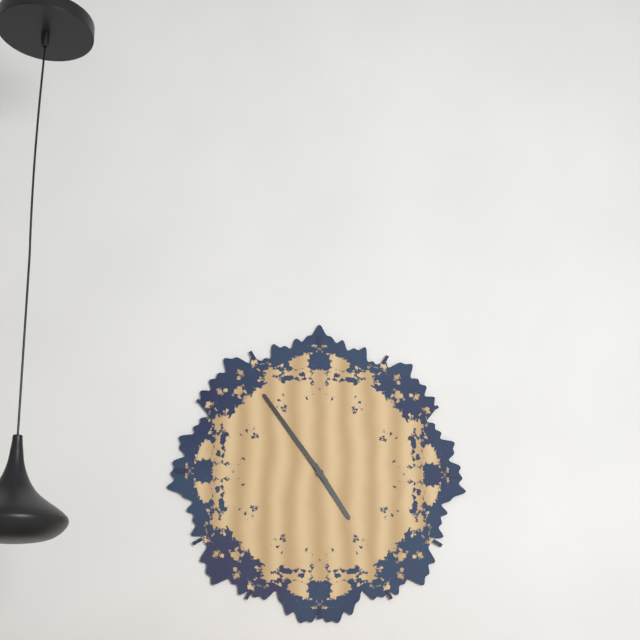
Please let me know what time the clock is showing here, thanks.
4:54
